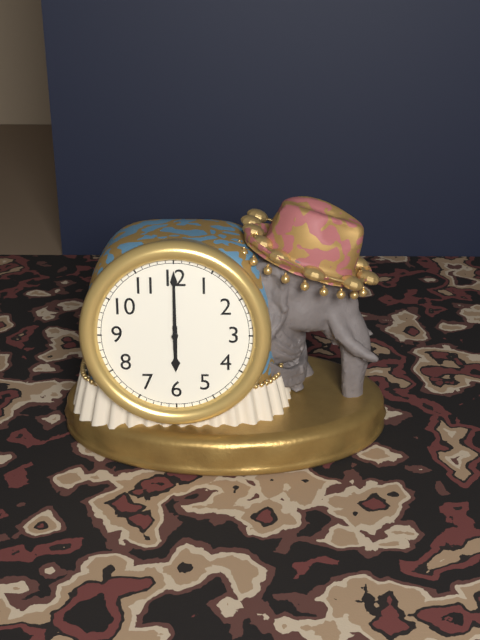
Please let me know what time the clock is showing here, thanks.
6:00
